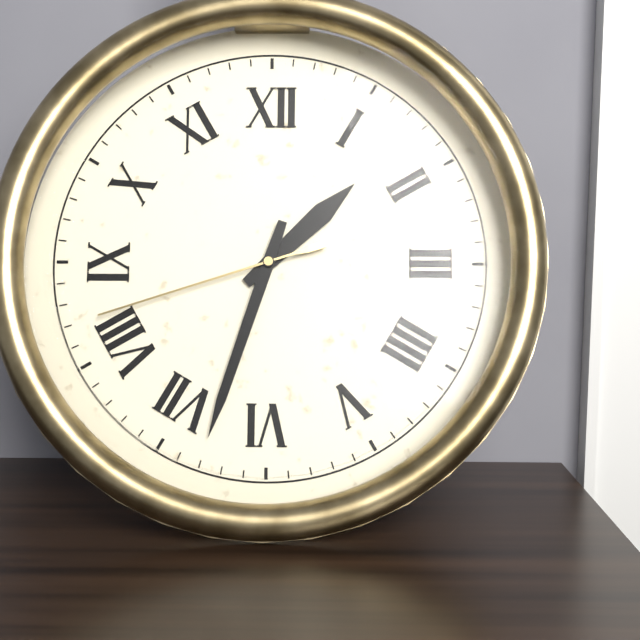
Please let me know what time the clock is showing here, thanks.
1:33:42
